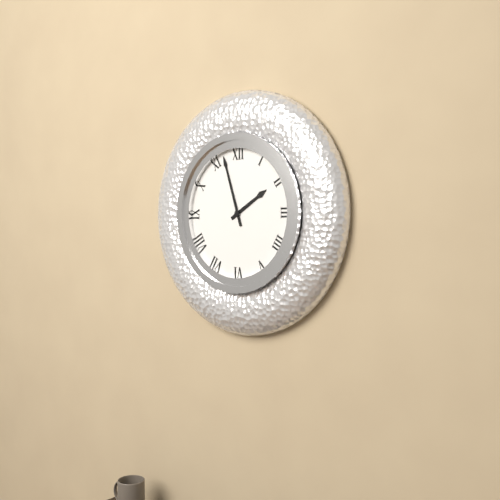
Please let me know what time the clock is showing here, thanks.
1:57
